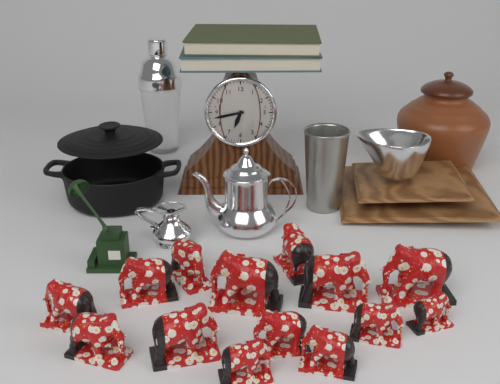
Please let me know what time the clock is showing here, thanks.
6:43
